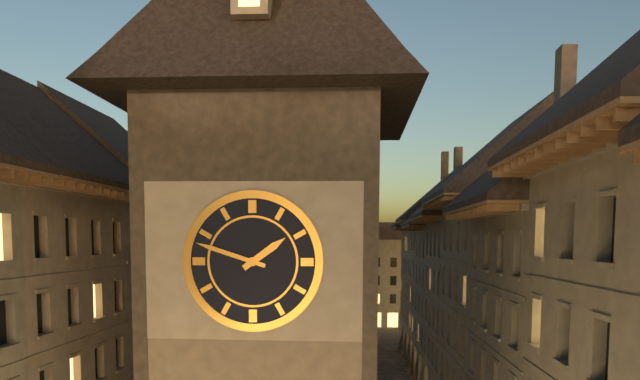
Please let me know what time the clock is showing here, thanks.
1:48
